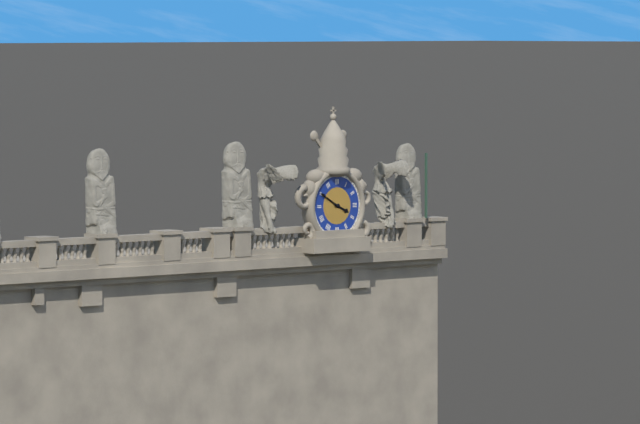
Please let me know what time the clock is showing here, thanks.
3:50
